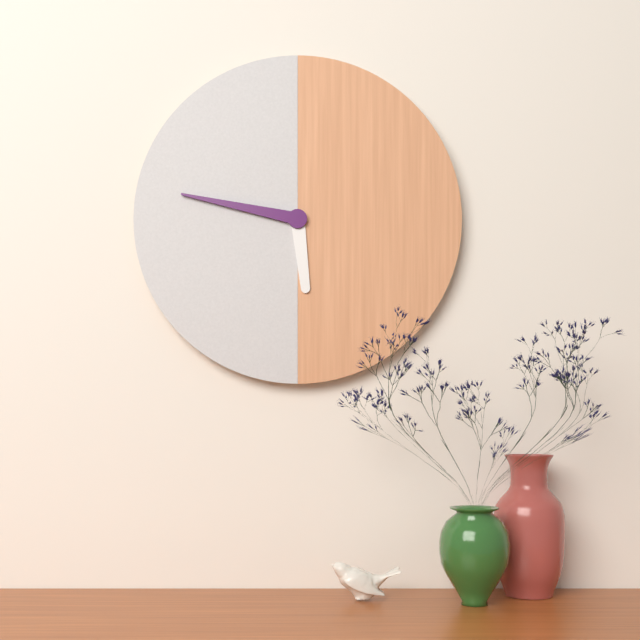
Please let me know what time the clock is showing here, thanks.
5:47
